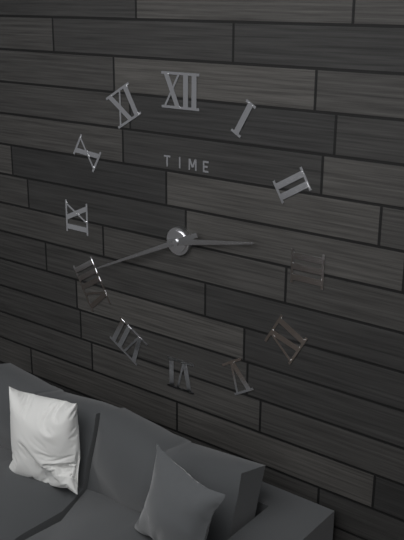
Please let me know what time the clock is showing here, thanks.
2:41
